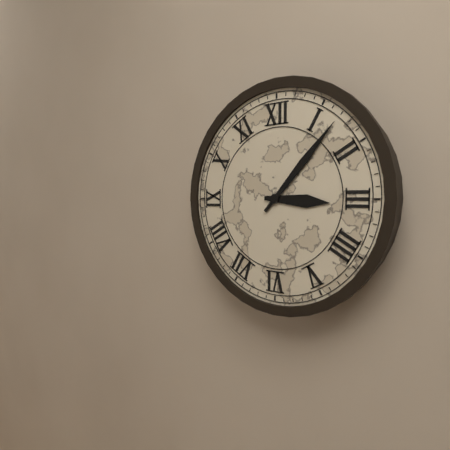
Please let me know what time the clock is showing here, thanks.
3:07
